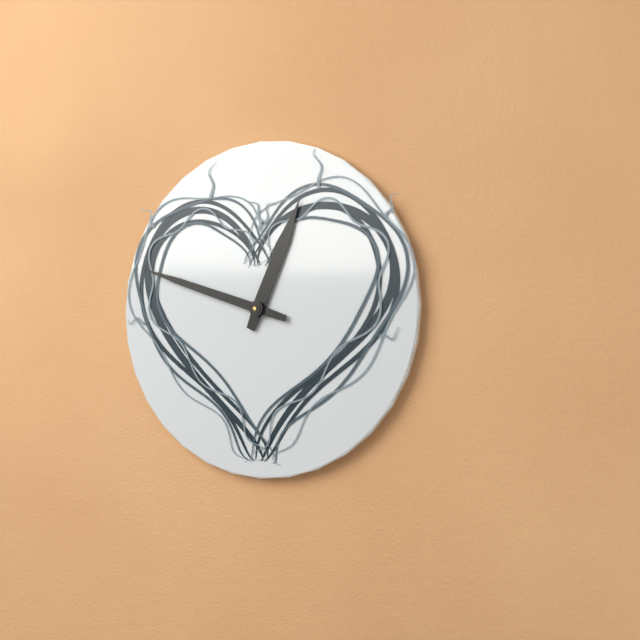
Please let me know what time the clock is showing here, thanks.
12:48
